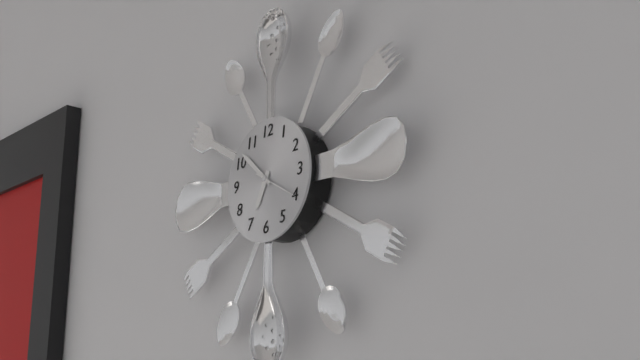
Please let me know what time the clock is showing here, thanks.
6:52
